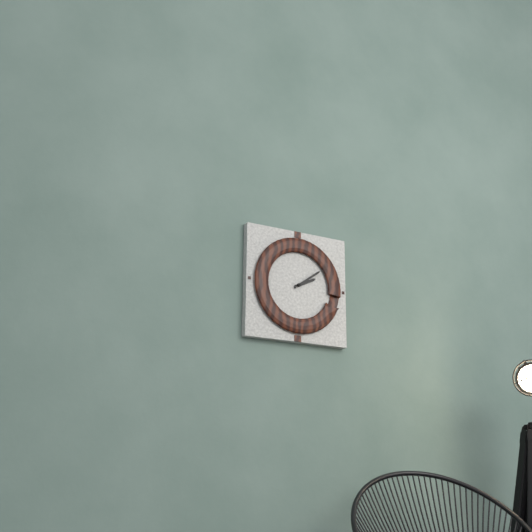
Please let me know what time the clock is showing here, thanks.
2:09
